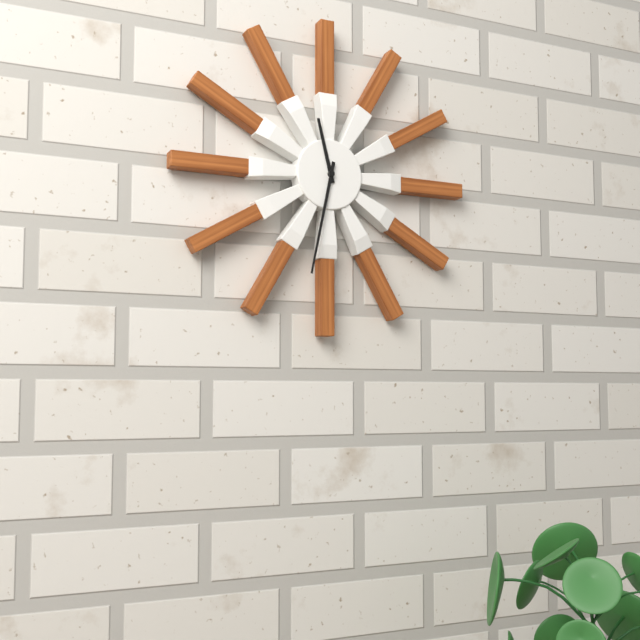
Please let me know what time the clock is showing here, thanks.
11:32
